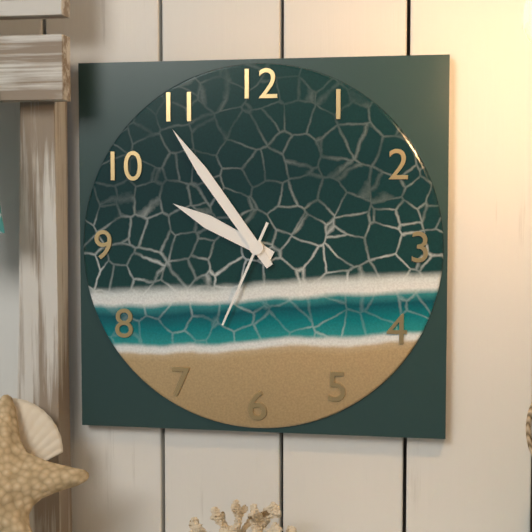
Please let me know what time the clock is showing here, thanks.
9:54:34
